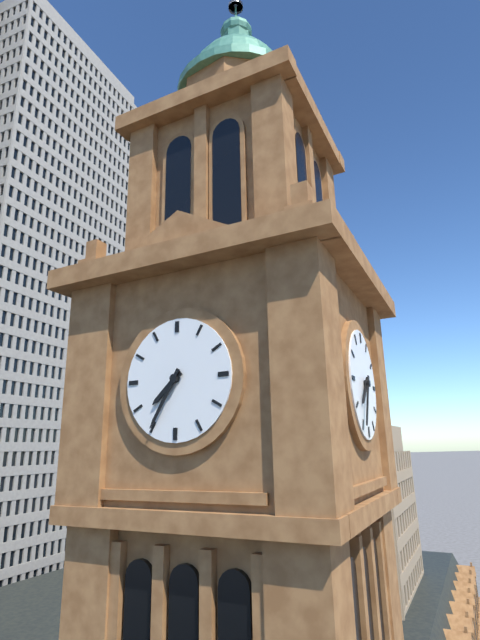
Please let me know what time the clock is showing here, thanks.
7:35
